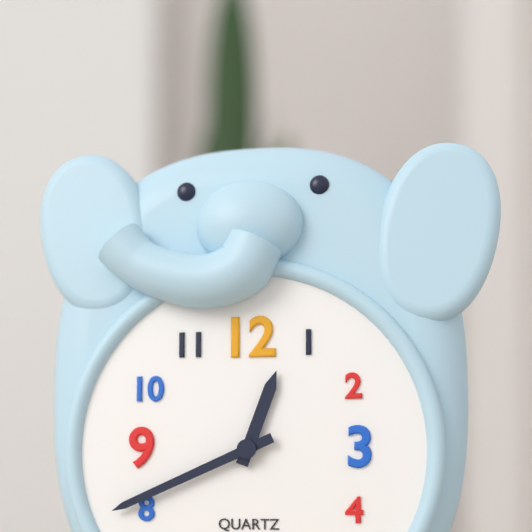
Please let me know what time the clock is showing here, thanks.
12:41
